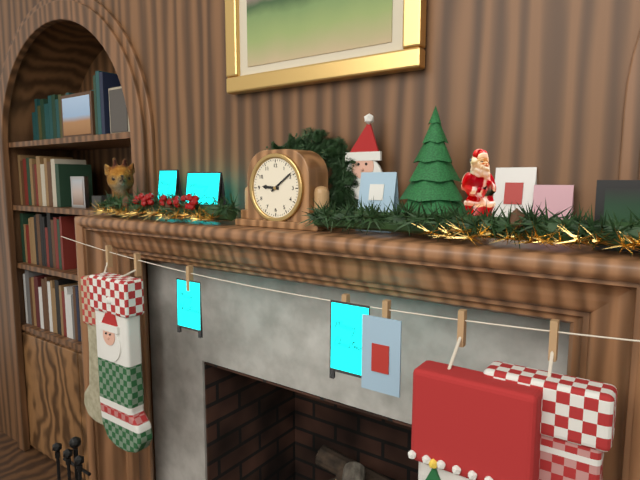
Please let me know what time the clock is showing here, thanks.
9:09
